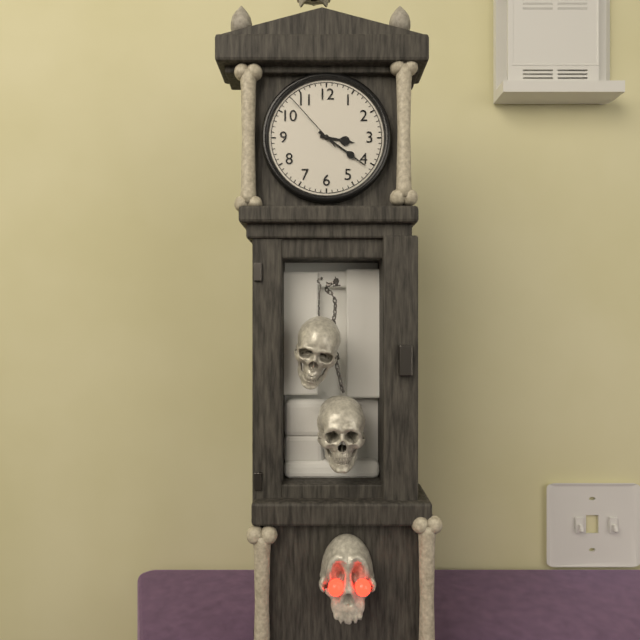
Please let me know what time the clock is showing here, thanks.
3:21:53
